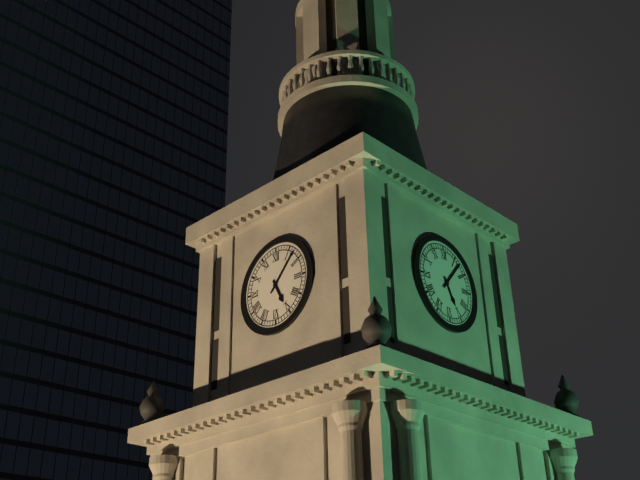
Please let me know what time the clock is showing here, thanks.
5:07
